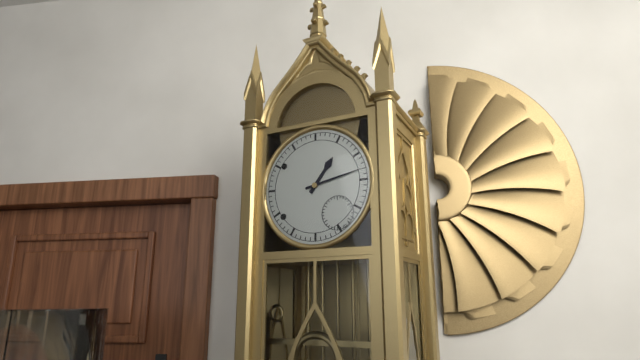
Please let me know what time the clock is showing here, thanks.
1:13
